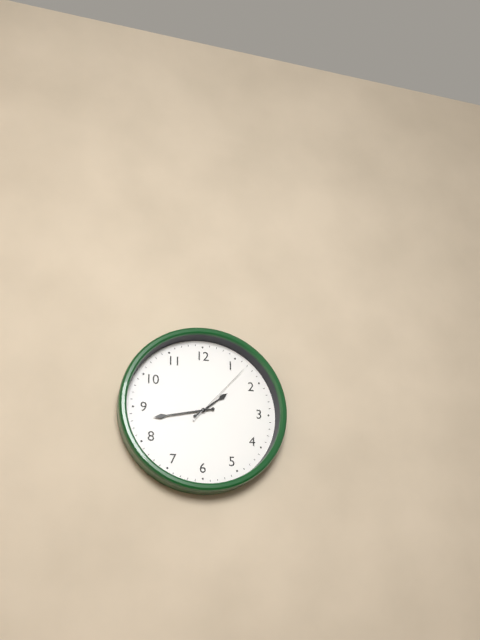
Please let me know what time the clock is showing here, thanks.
1:43:07
